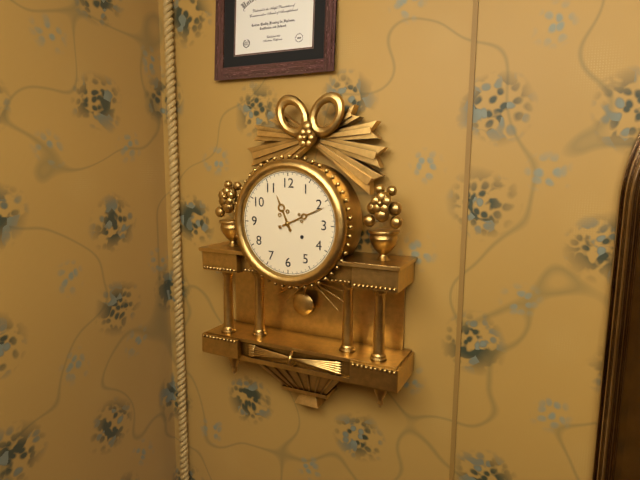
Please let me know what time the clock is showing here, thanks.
11:11
